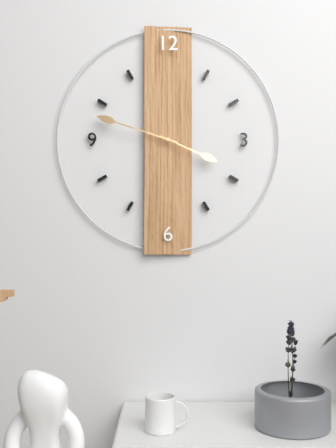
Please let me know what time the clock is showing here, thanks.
3:48
